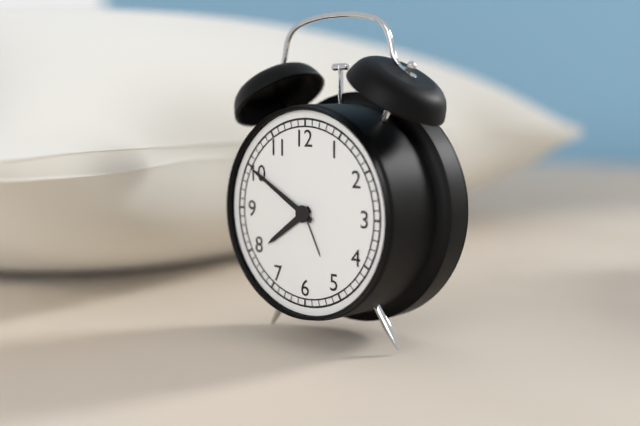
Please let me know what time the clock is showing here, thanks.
7:50
